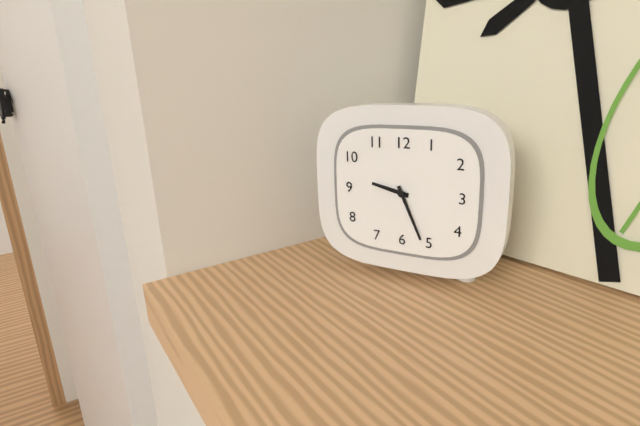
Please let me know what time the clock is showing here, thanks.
9:26
